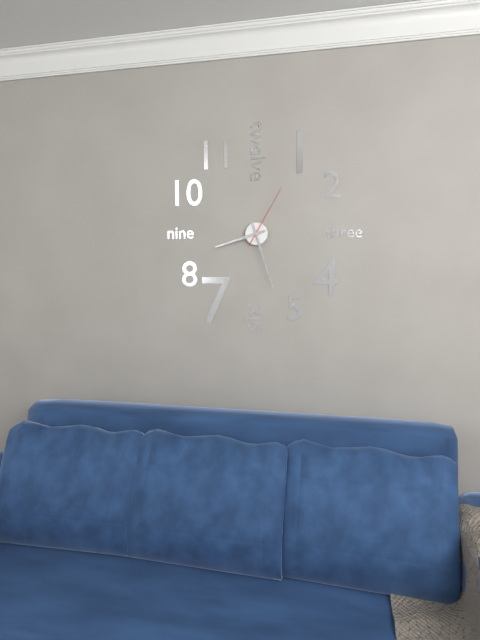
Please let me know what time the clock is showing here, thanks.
8:27:05
